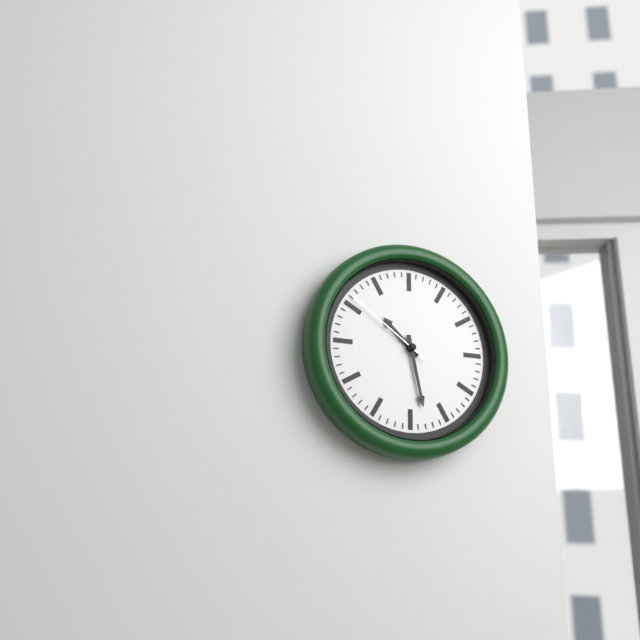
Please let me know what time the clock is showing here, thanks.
10:28:51
